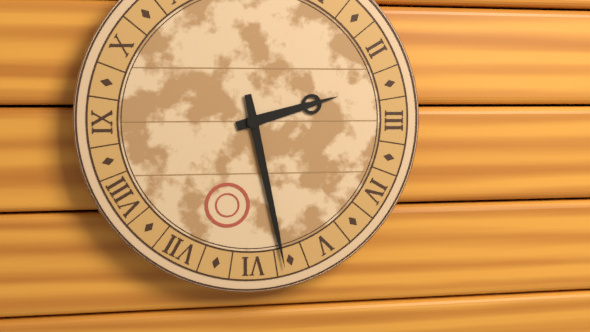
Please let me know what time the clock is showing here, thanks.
2:28
